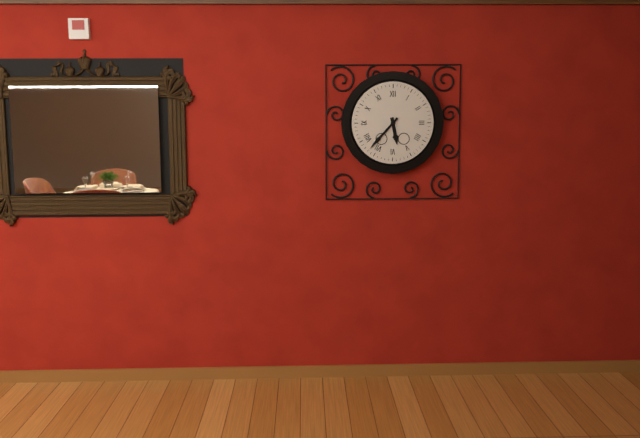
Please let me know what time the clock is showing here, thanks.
5:37
